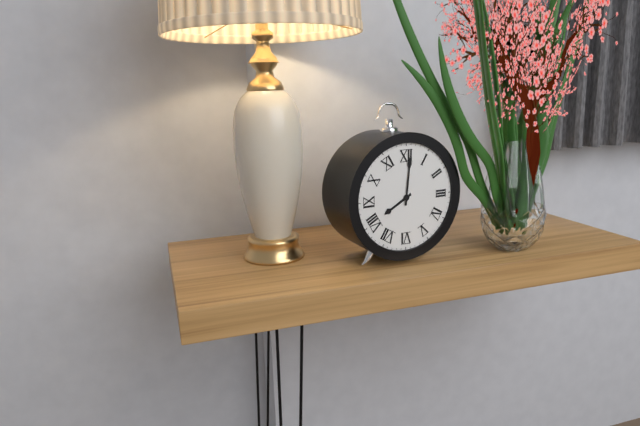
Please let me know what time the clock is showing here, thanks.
8:01
